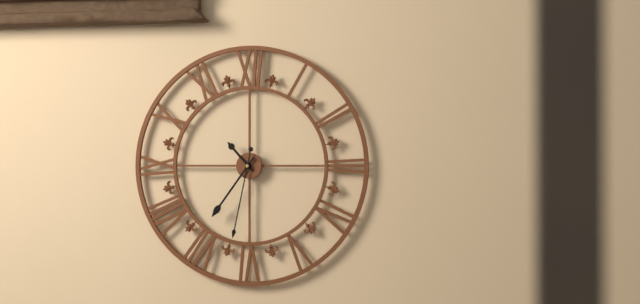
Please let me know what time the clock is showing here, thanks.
10:36:32
